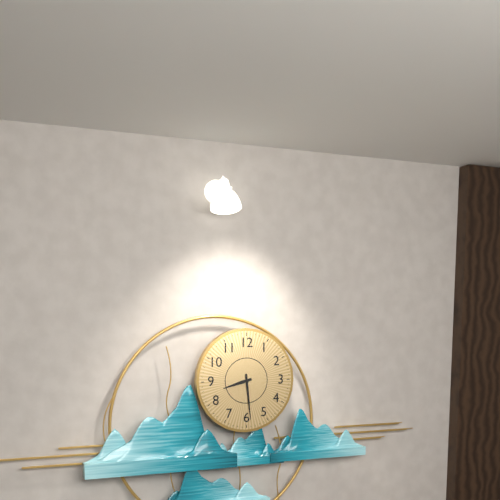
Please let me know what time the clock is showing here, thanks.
8:29
